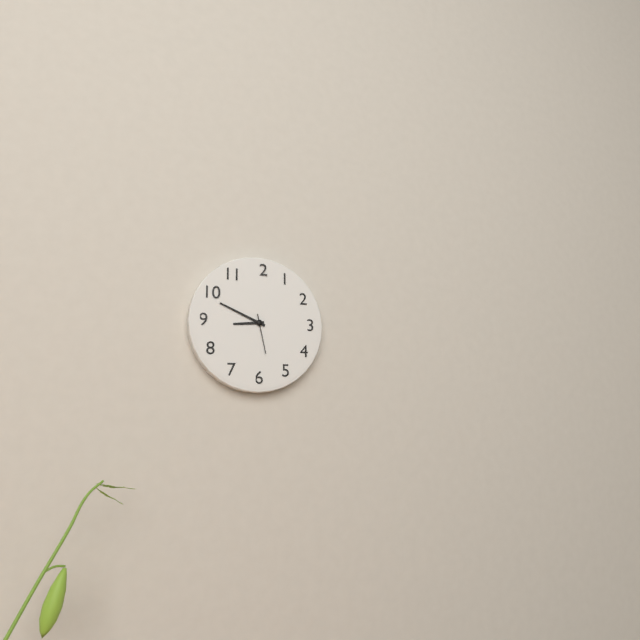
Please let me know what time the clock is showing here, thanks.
8:49
